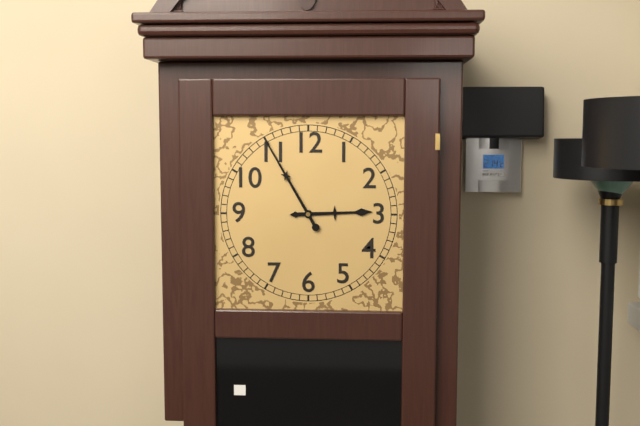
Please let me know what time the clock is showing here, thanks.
2:55
